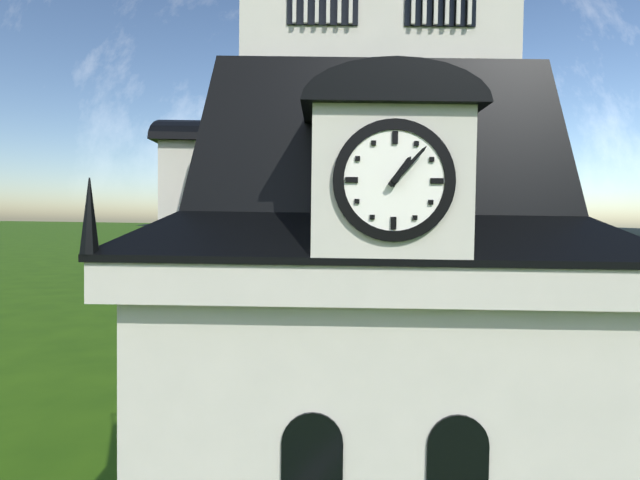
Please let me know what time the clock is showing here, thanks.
1:07
